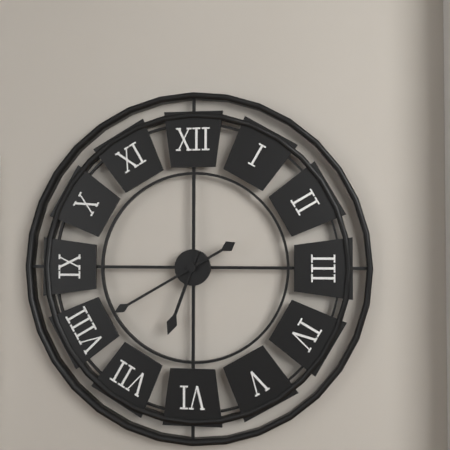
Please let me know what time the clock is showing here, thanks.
6:40
